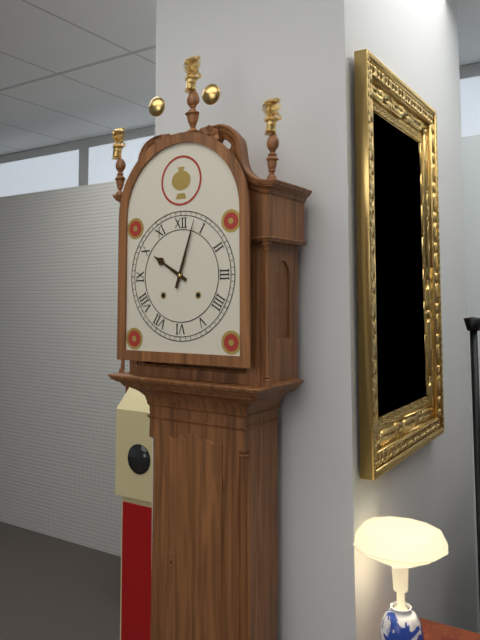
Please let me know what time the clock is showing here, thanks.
10:03
